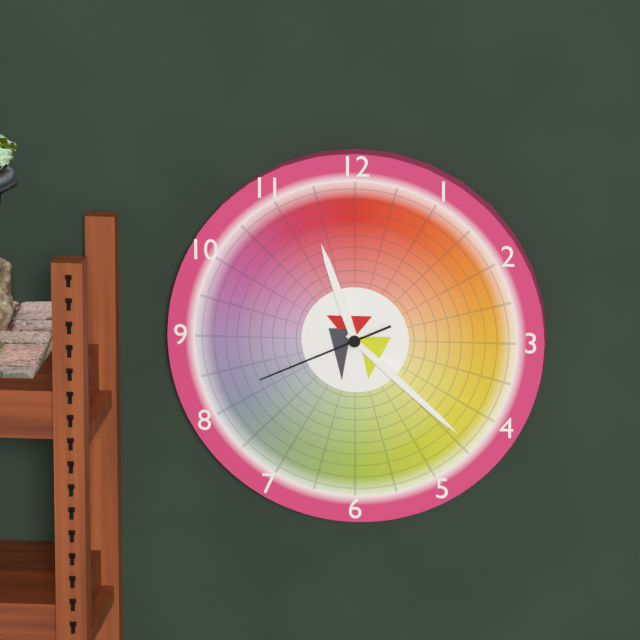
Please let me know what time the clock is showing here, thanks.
11:22:41
